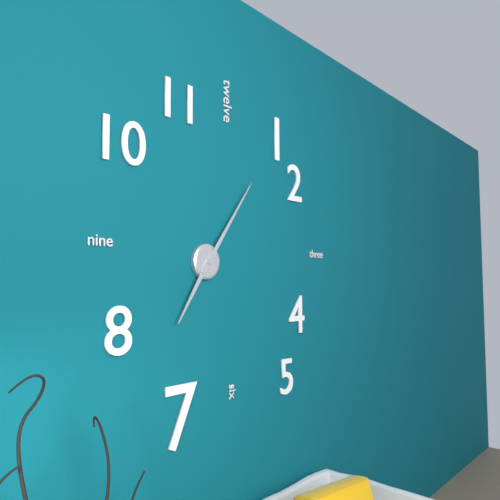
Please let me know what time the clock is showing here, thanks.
7:06
